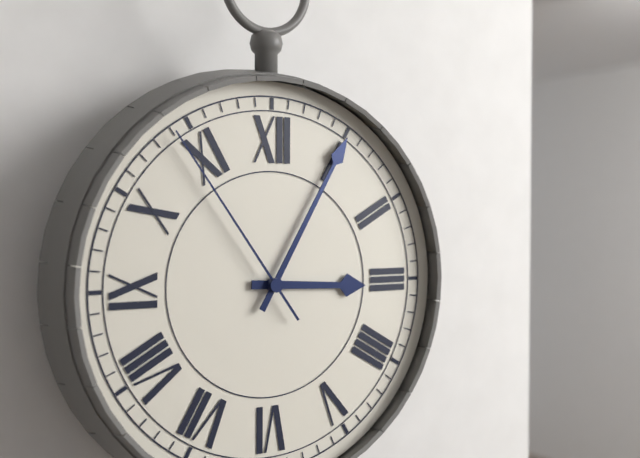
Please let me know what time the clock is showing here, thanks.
3:05:54
